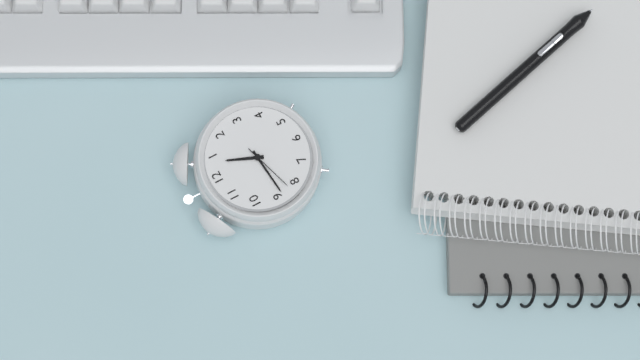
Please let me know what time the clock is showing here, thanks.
12:44:42
